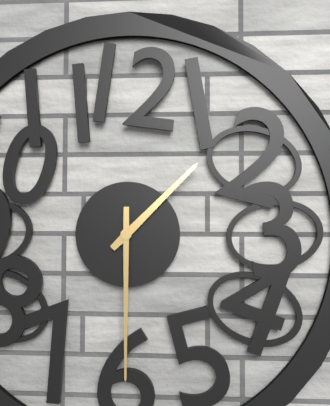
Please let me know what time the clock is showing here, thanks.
1:30
